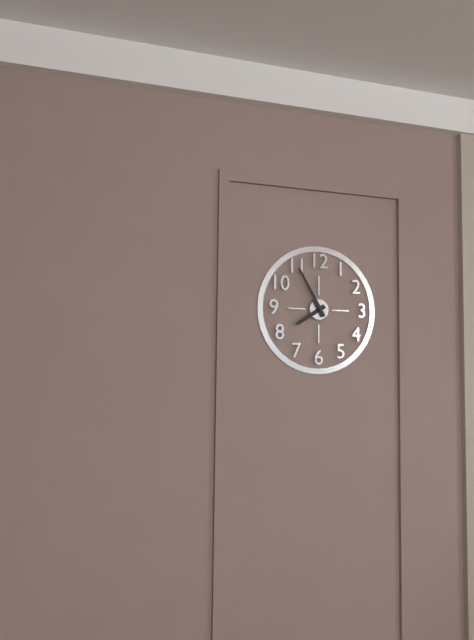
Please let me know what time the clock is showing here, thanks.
7:55
